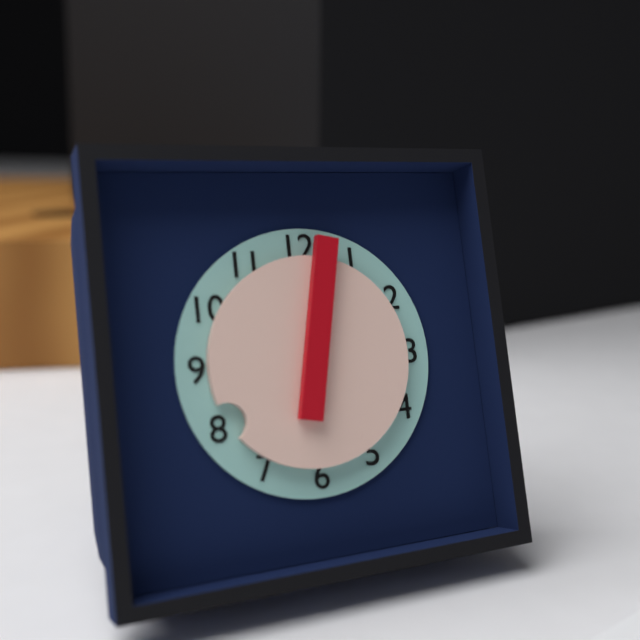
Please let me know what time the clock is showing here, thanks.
8:02
